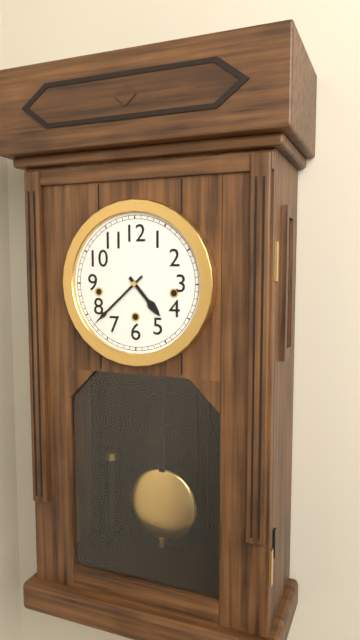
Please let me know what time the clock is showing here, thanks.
4:38
